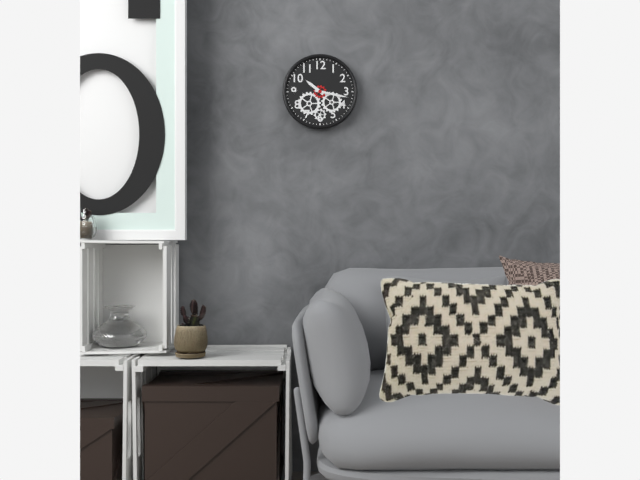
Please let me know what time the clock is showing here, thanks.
10:17
